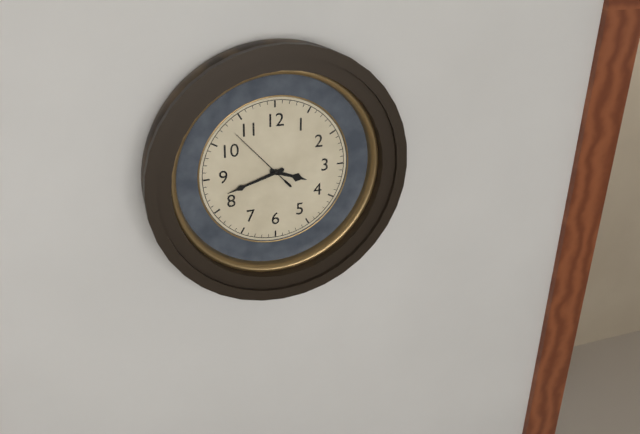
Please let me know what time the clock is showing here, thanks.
3:42:53
